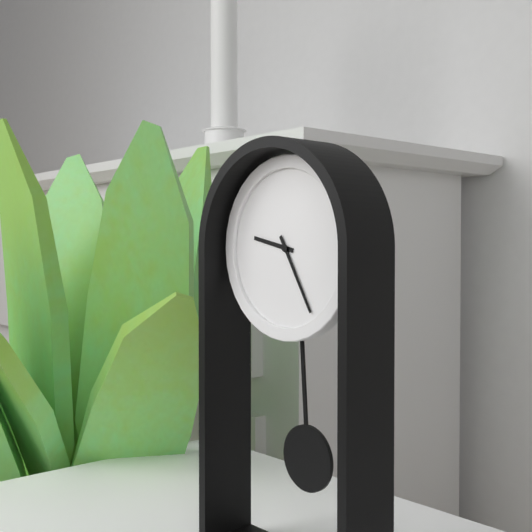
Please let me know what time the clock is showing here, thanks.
9:25
